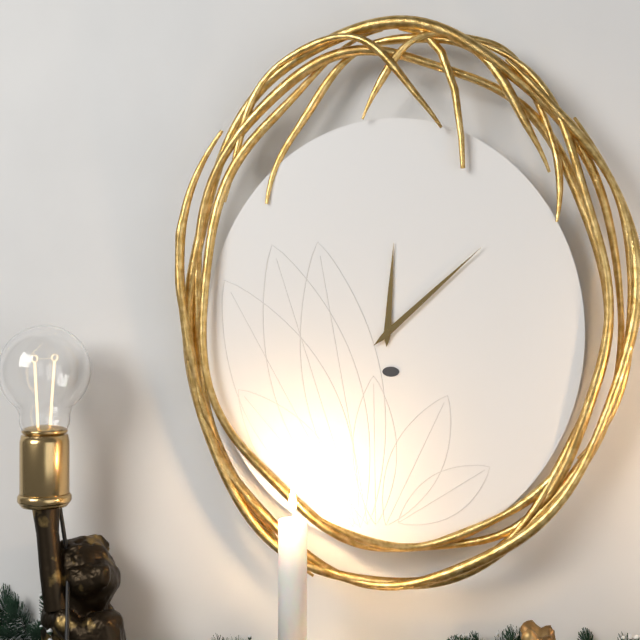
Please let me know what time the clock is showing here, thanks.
12:08
